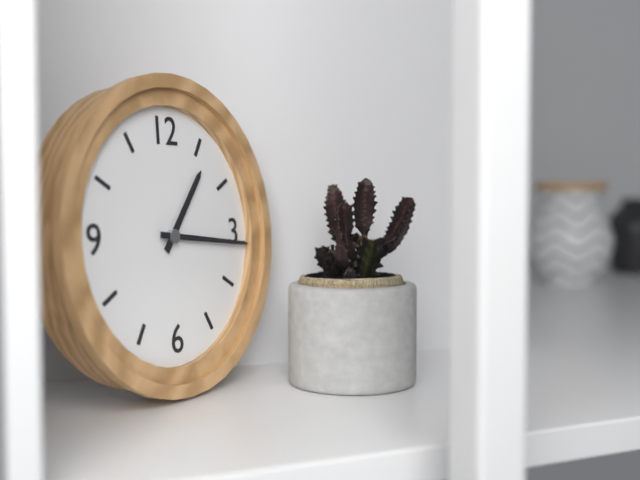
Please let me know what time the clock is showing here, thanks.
1:16
